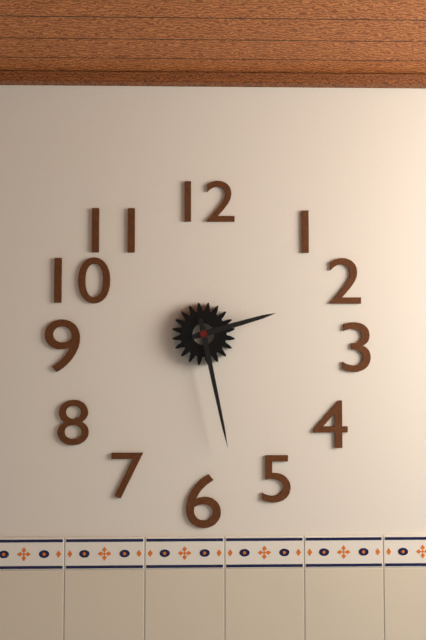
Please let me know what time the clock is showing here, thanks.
2:28
